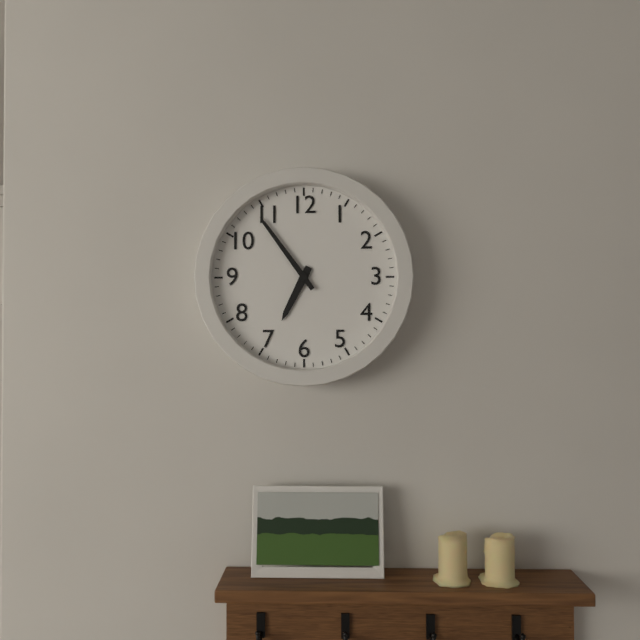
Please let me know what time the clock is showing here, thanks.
6:54
